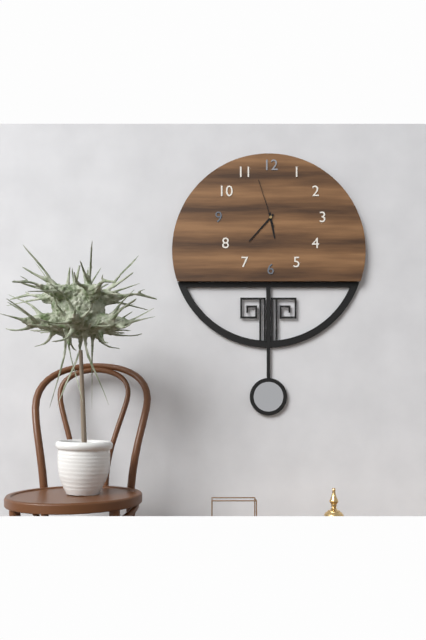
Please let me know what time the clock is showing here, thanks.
5:37
